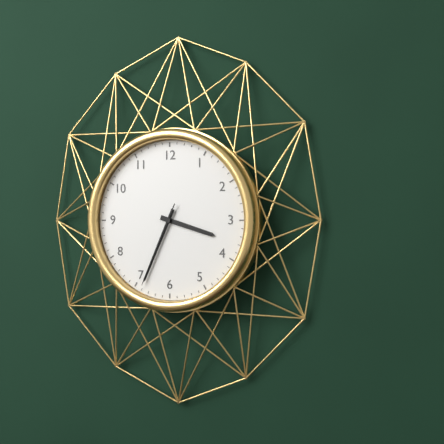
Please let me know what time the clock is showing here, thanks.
3:34:34
